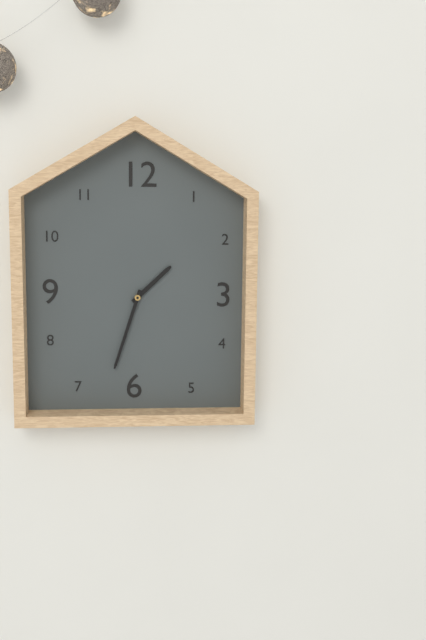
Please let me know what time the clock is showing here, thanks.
1:33
